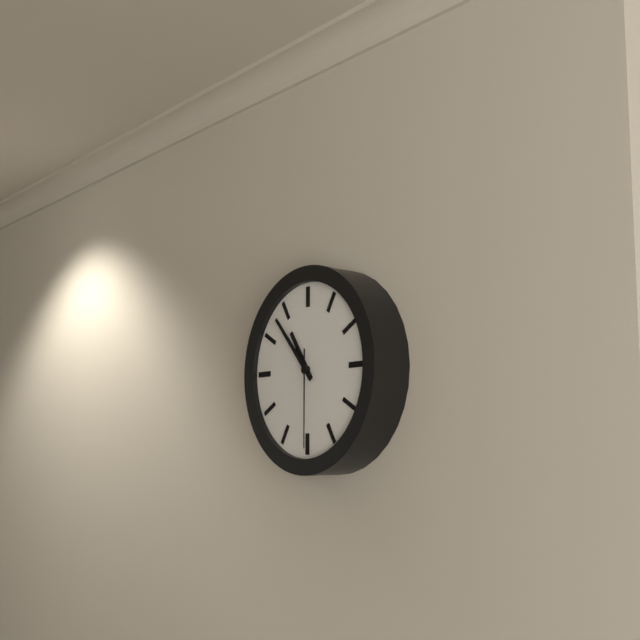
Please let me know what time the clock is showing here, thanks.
10:53:30
